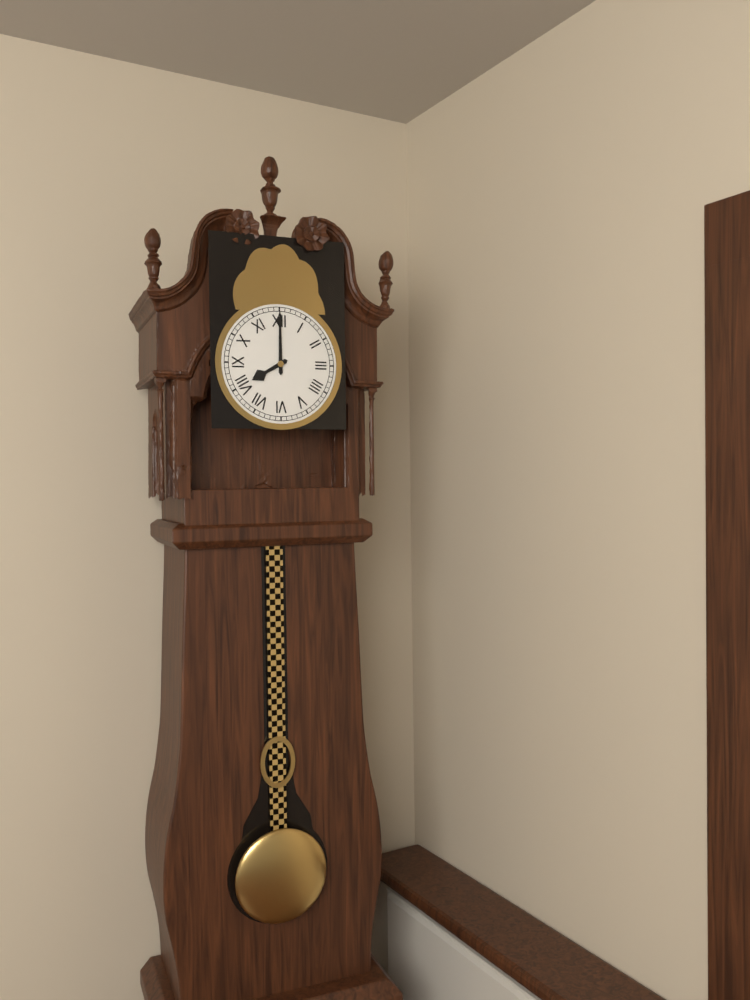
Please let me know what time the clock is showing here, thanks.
8:00
